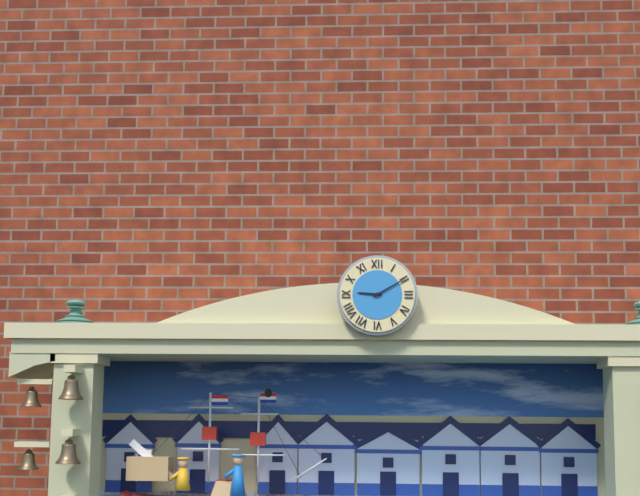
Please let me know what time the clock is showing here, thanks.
9:10
